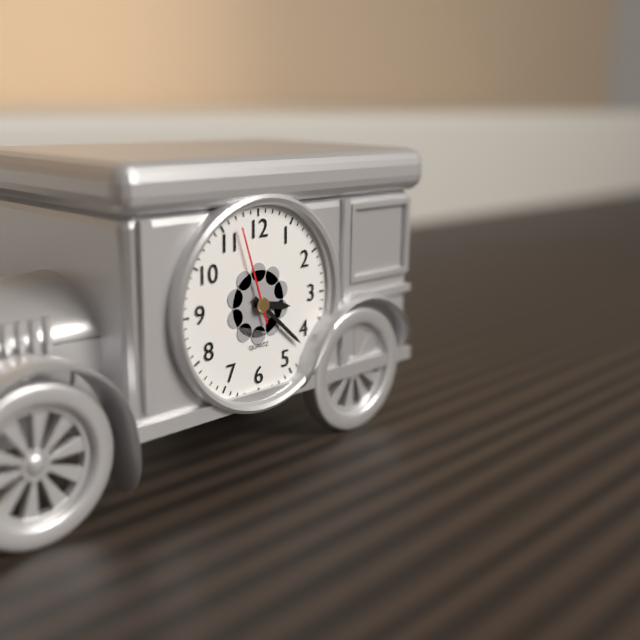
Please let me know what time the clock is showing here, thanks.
3:22:57
